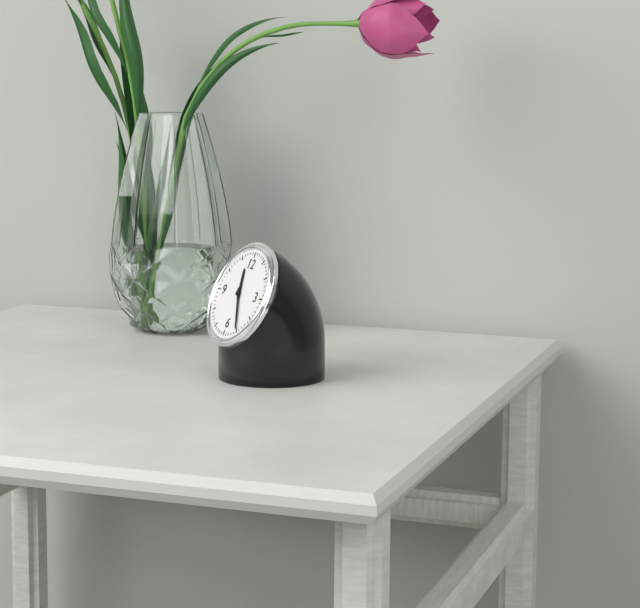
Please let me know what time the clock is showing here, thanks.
11:25
